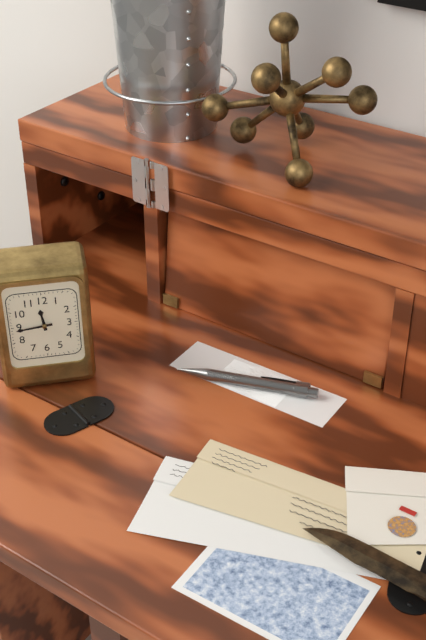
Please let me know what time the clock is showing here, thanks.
11:44
